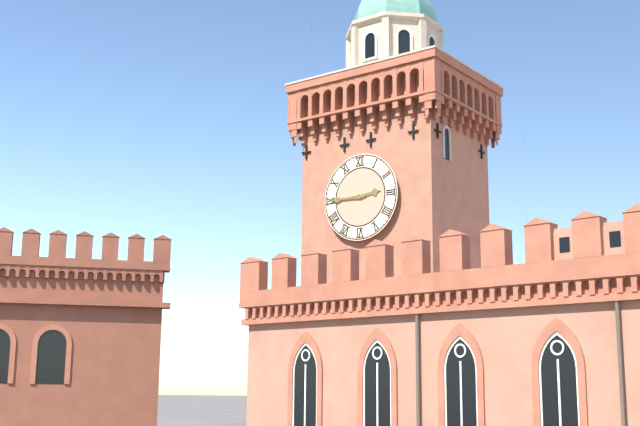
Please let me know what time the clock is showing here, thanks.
2:45
